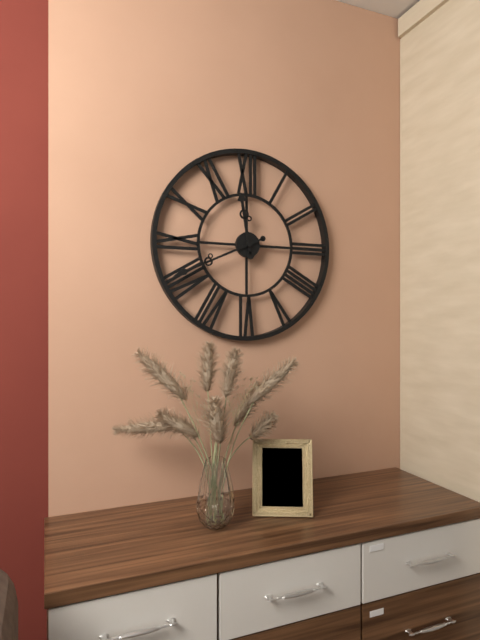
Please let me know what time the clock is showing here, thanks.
11:41
